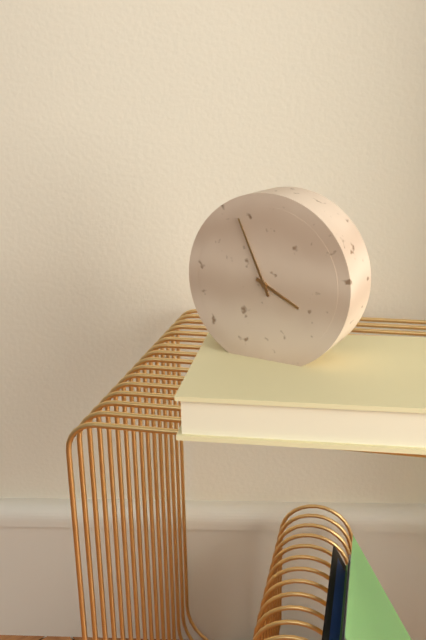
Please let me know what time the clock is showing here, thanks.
3:56
